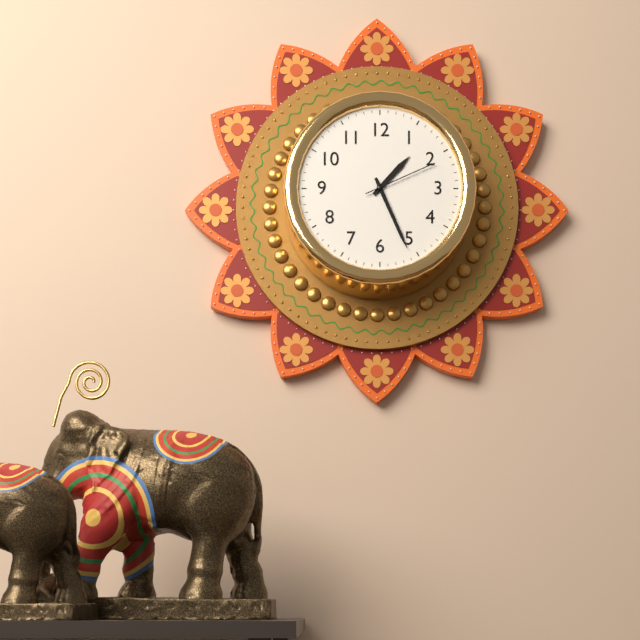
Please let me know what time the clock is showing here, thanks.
1:26:11
